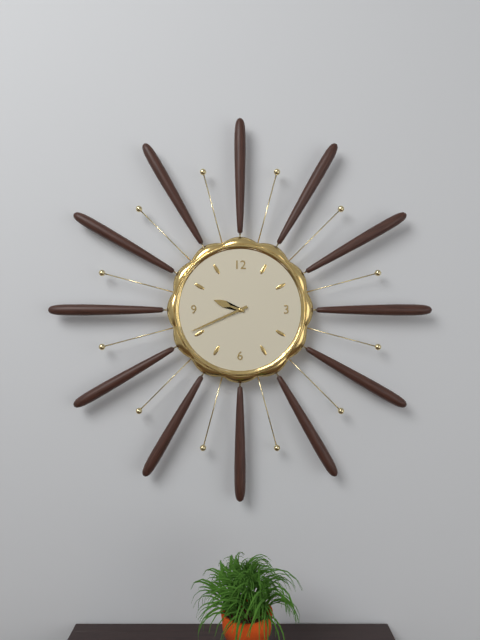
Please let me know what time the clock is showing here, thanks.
9:41
